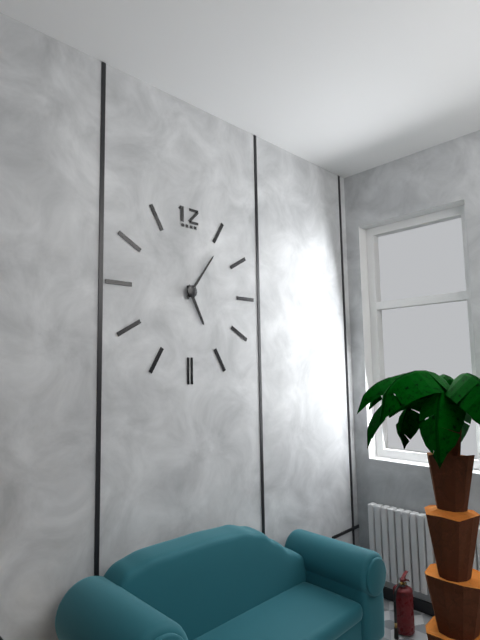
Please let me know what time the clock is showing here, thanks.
5:06
